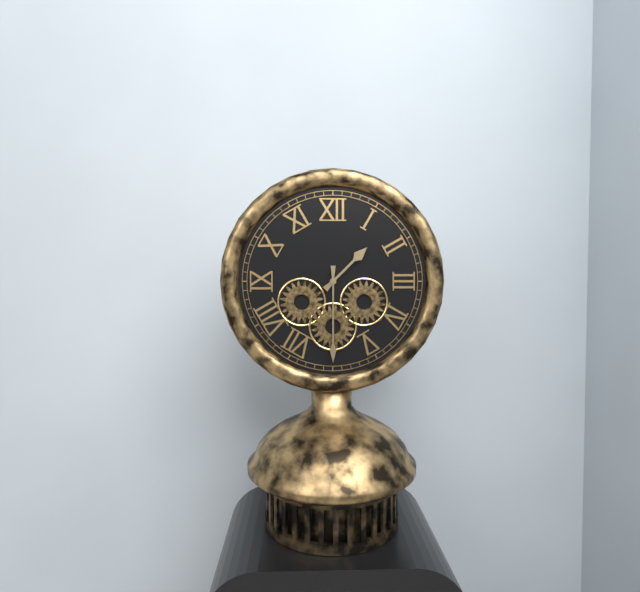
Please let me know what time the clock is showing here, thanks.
1:30
